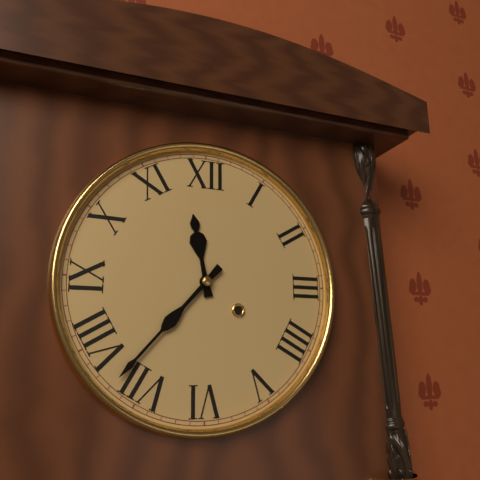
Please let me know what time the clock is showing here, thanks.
11:37
